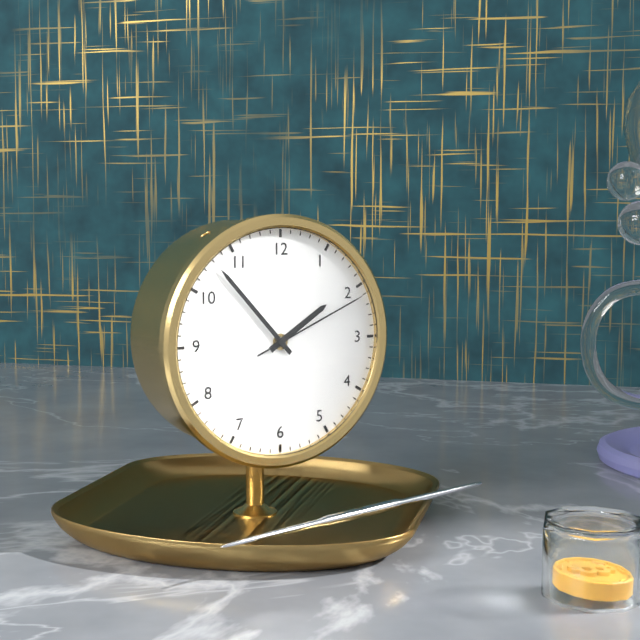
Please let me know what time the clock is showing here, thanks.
1:53:11
